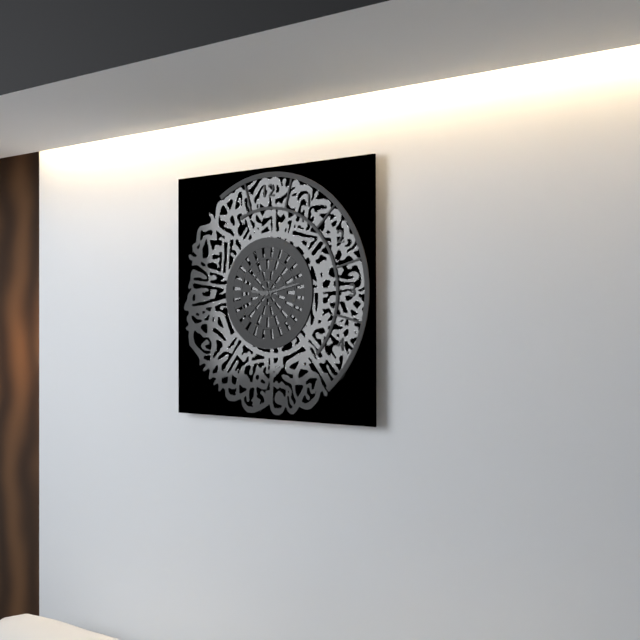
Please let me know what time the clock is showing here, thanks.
9:13
